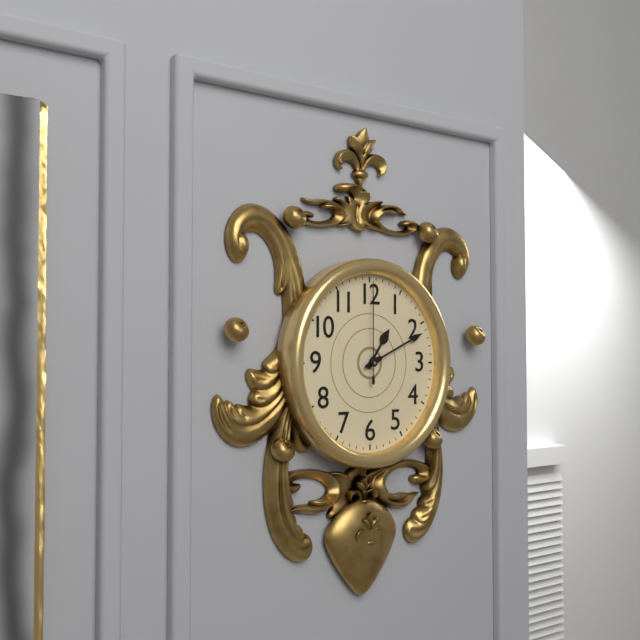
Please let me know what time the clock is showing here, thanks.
1:11:00
